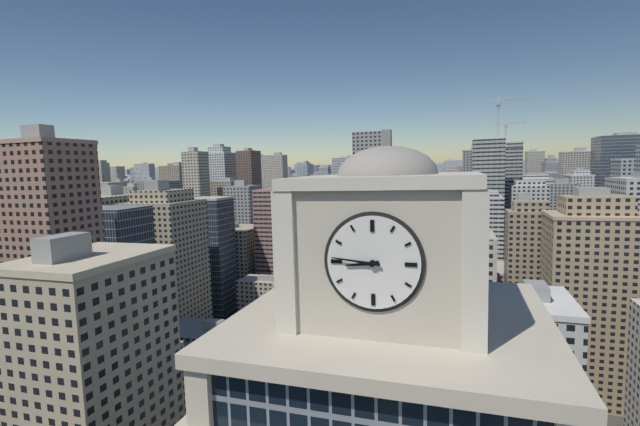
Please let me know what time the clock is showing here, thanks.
8:46
